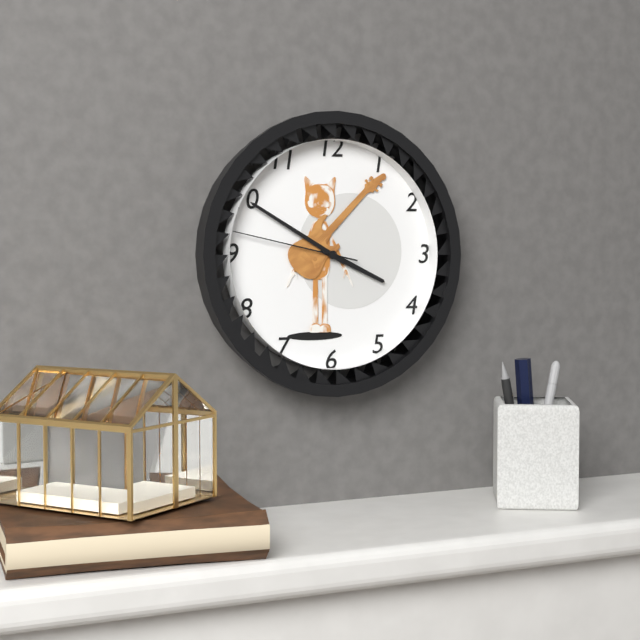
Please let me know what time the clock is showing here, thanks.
3:50:47
